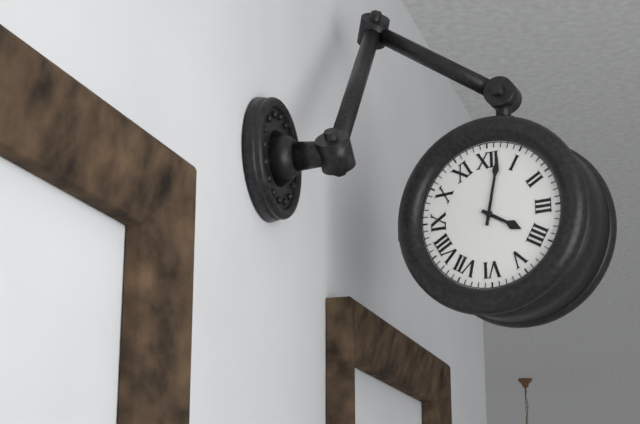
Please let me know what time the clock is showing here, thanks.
4:02
